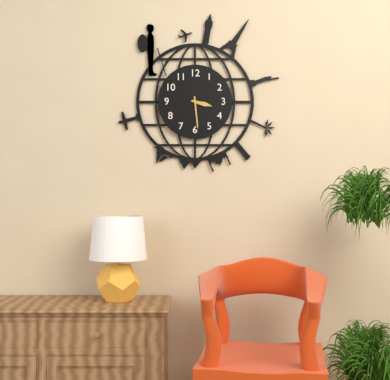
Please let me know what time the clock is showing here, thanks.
3:29
